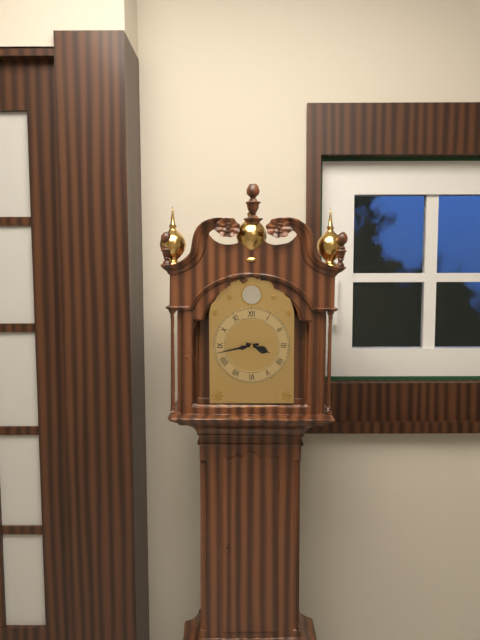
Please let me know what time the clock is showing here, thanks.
3:43
